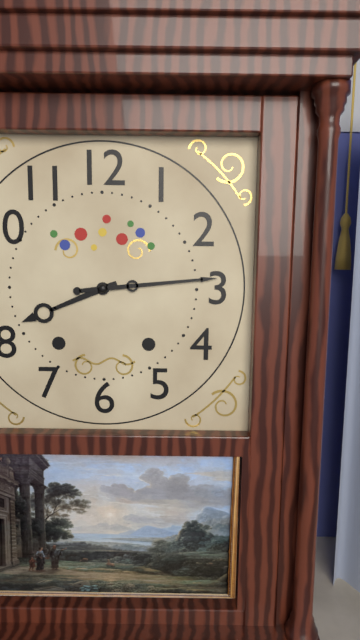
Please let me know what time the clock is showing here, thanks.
8:14
